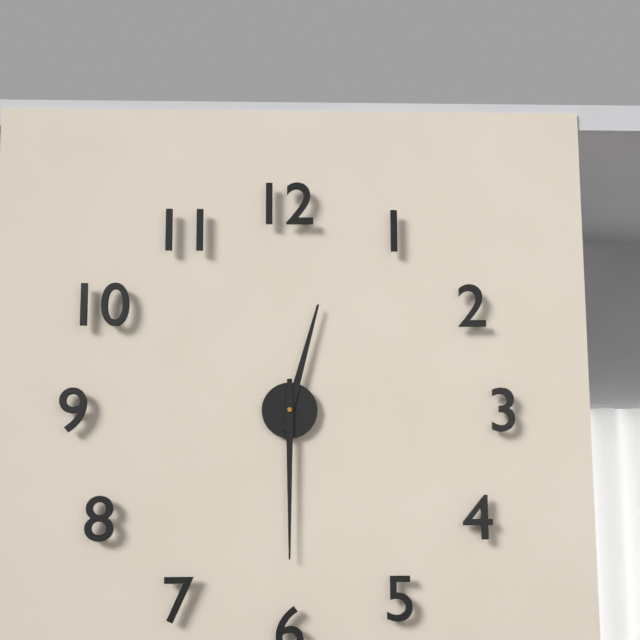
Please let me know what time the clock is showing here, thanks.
12:30
